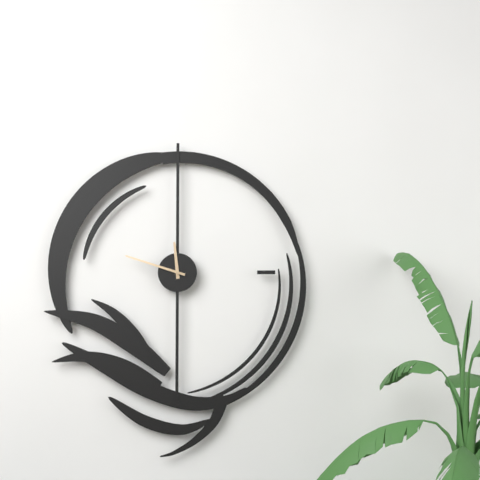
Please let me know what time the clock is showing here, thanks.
11:48
